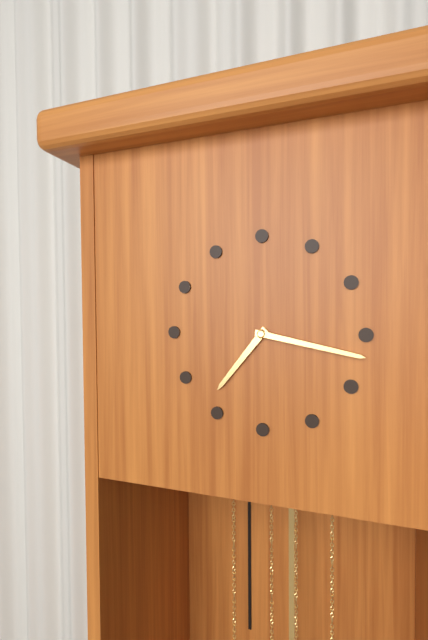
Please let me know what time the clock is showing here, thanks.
7:17
